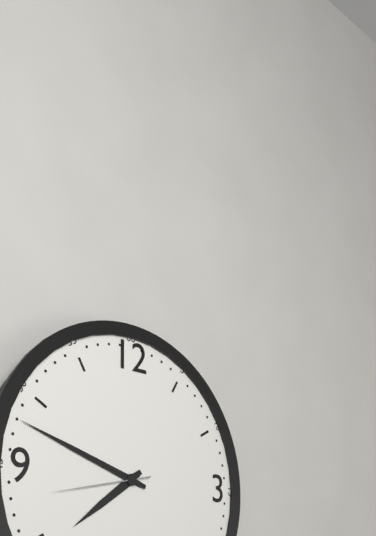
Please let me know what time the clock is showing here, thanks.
7:48:43
